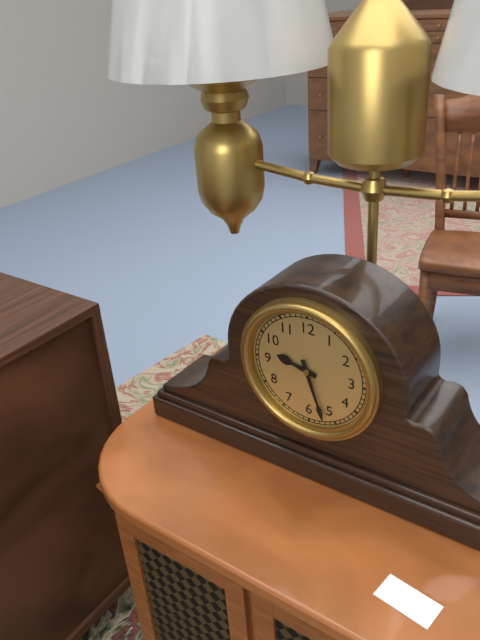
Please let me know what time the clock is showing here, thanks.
9:27
